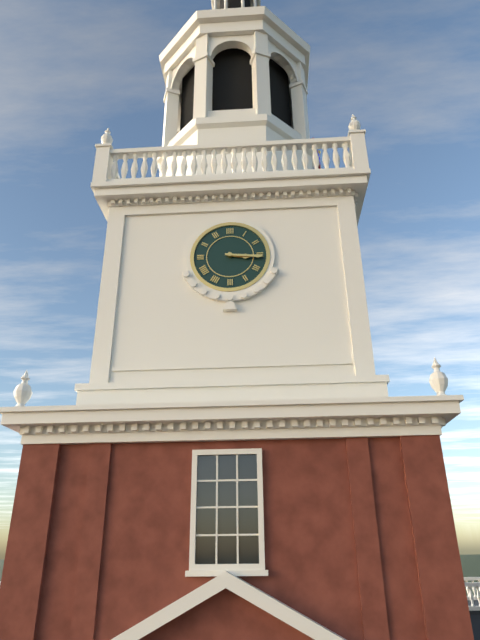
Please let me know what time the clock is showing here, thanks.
3:16
